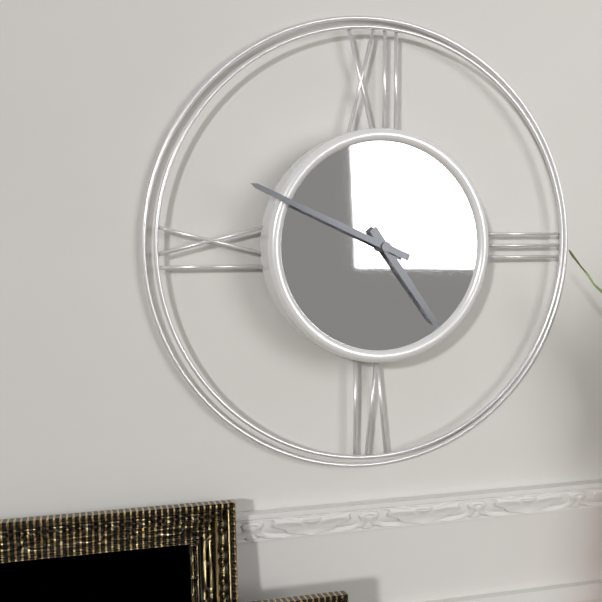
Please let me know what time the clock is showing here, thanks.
4:49
